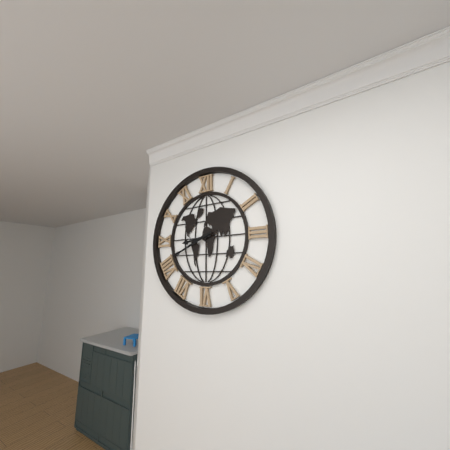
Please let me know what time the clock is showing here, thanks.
8:41
